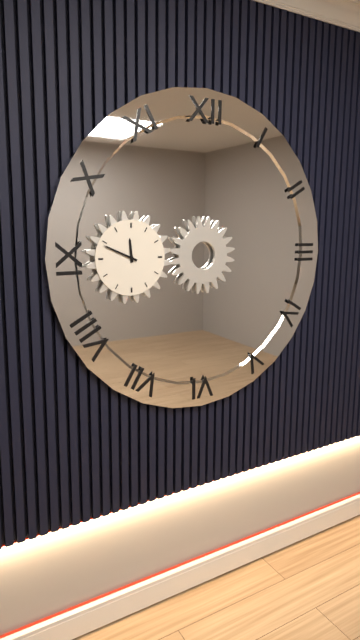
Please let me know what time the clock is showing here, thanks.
11:49
